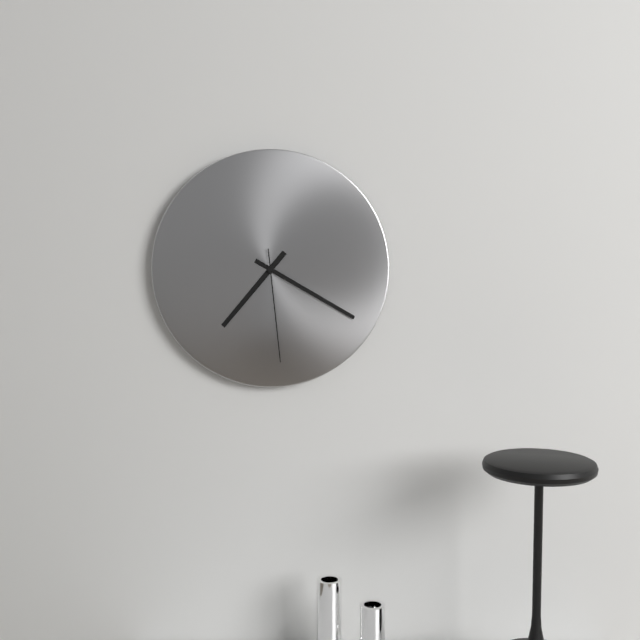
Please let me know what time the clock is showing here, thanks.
7:20:29
